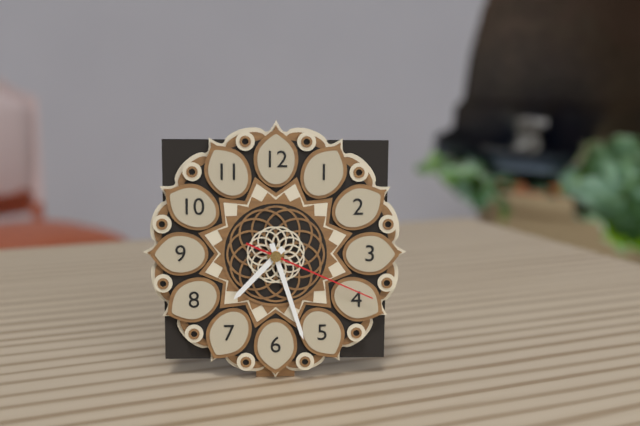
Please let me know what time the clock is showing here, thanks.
7:27:19
